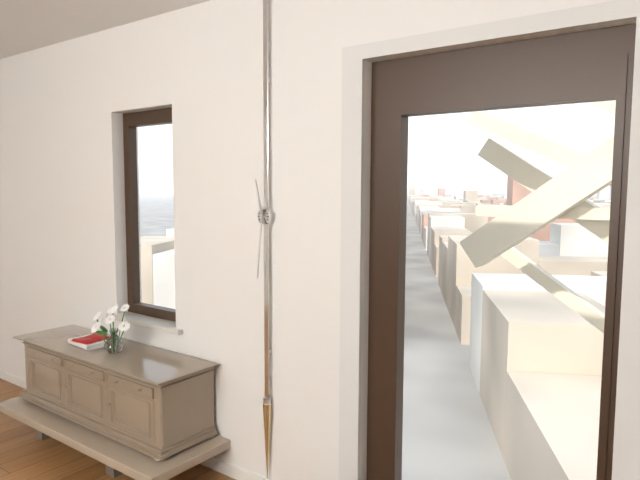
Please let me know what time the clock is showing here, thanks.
11:31
